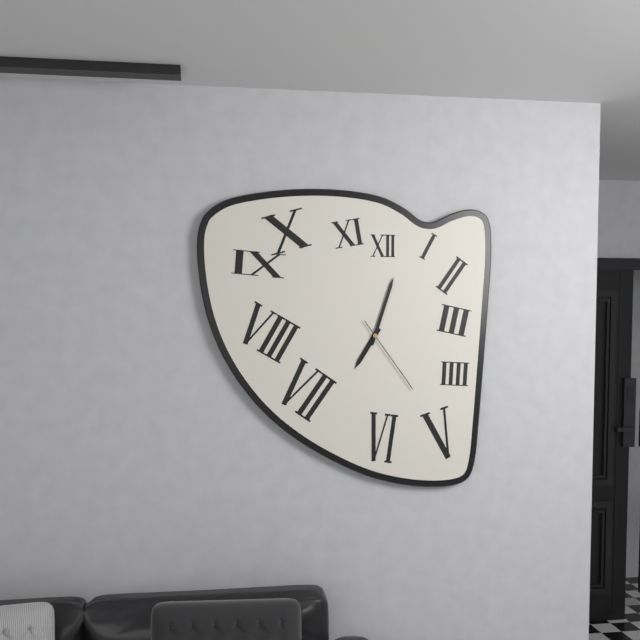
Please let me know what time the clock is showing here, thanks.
7:03:24
